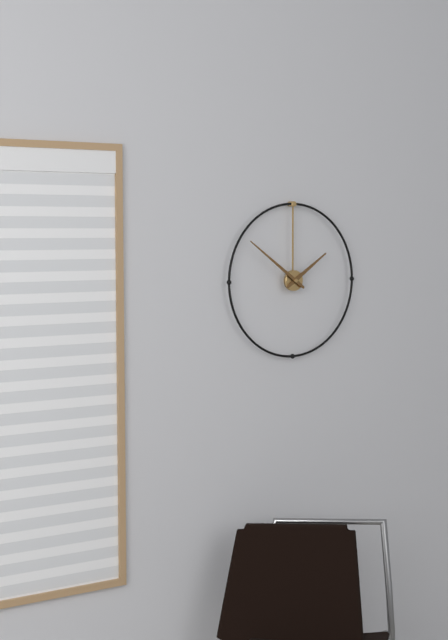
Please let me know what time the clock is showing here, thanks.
1:51
